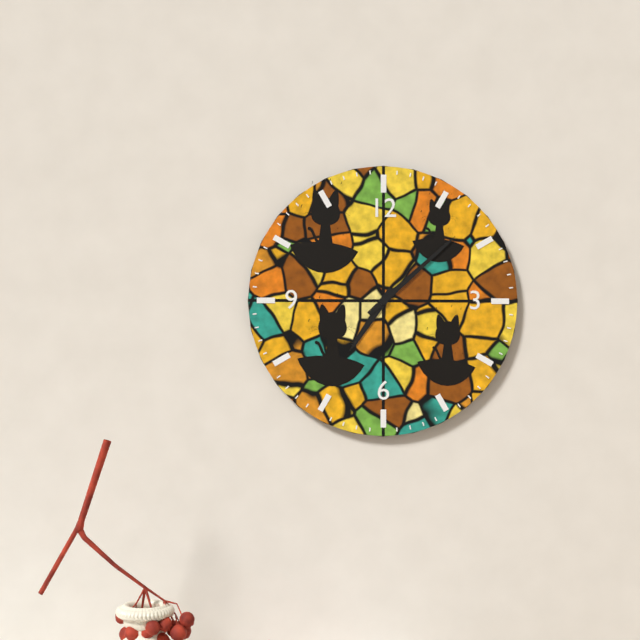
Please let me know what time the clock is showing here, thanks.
7:08
